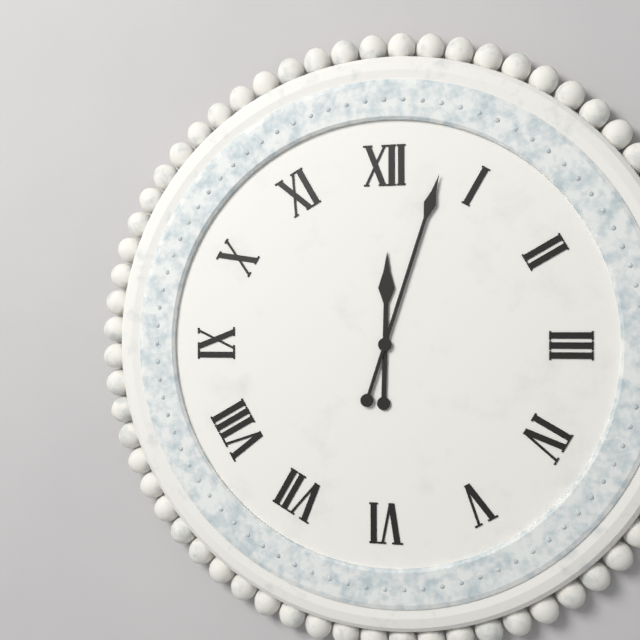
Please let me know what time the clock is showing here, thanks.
12:03
